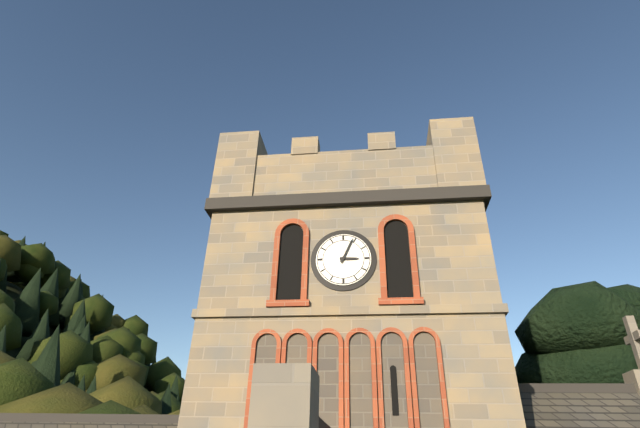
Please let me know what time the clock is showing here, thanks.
3:04
